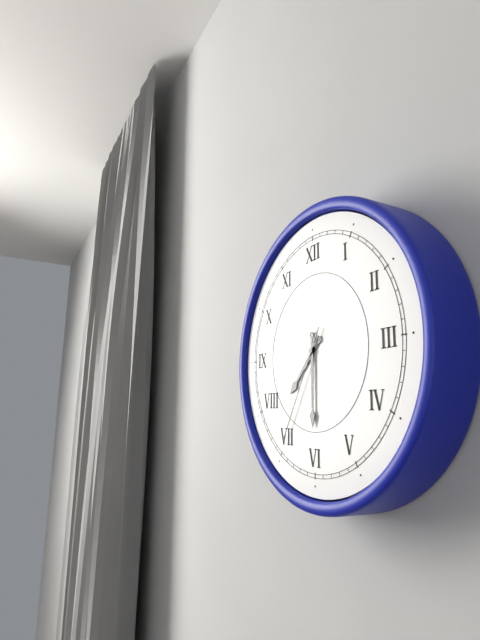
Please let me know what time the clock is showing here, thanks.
7:30:35
